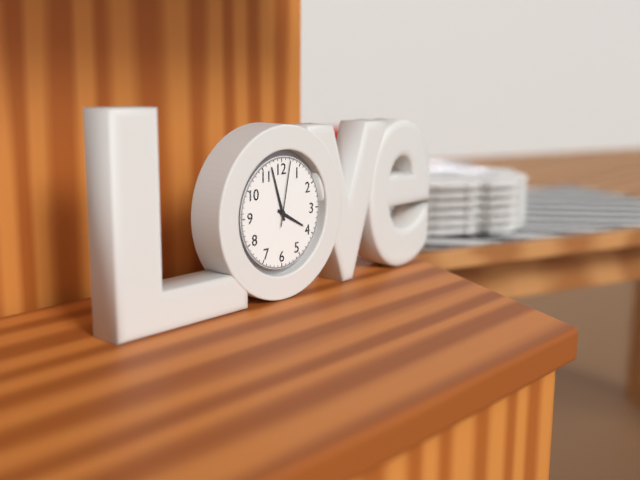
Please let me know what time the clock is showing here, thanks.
3:57:02
